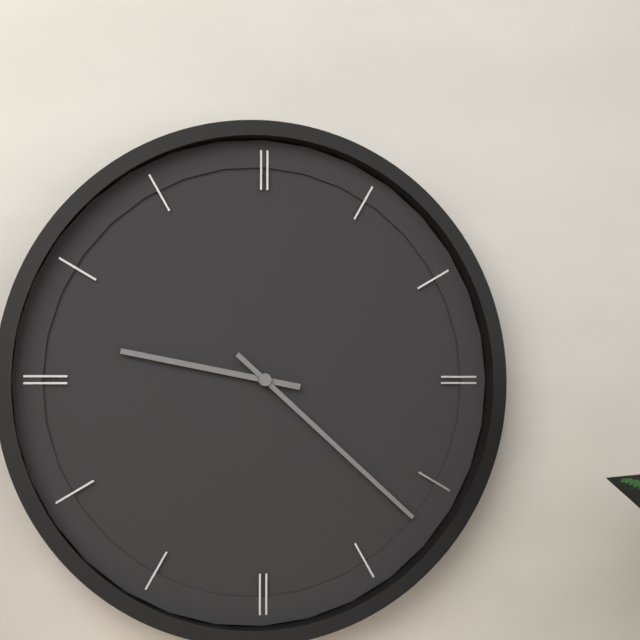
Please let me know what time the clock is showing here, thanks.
9:22
